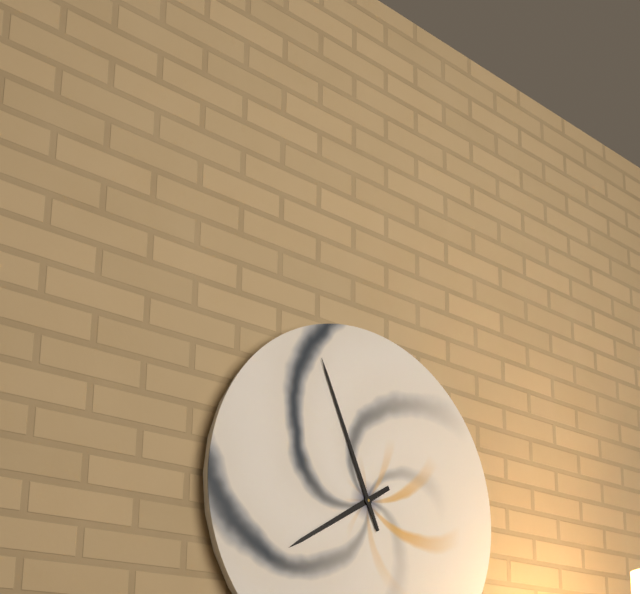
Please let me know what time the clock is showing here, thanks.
7:56
